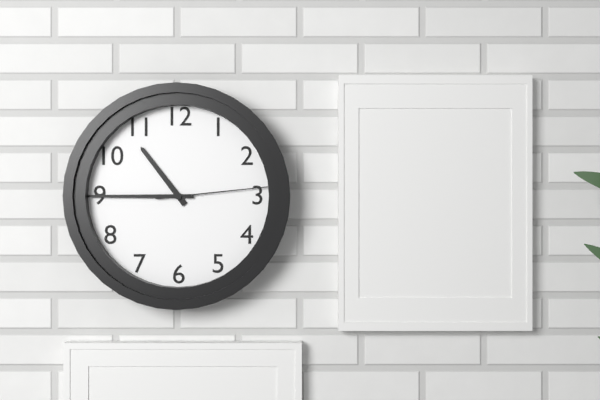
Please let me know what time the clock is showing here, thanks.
10:45:14
